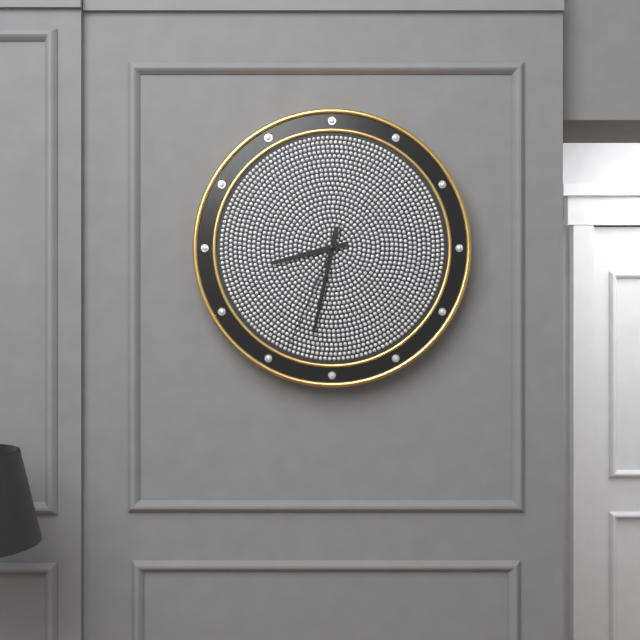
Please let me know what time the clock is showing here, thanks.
8:32:34
